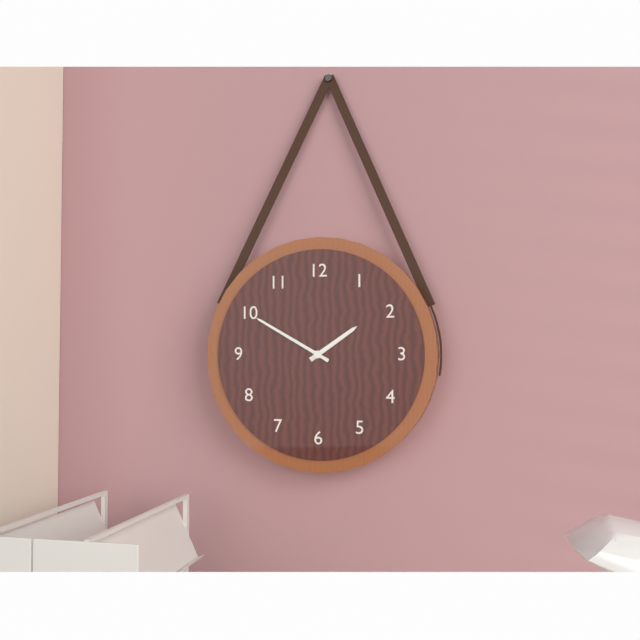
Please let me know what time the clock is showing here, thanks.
1:50
